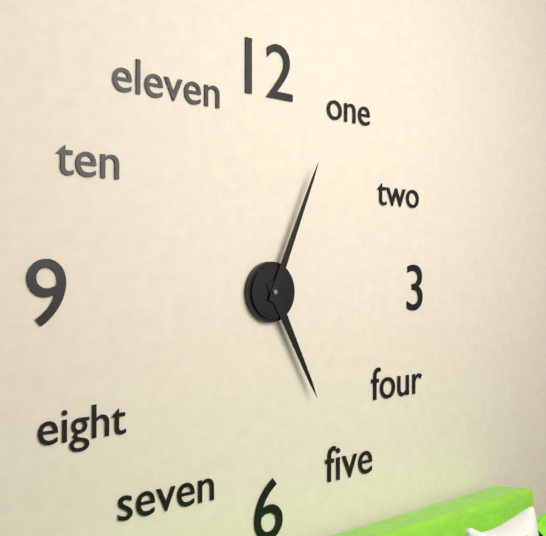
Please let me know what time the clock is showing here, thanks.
5:04
